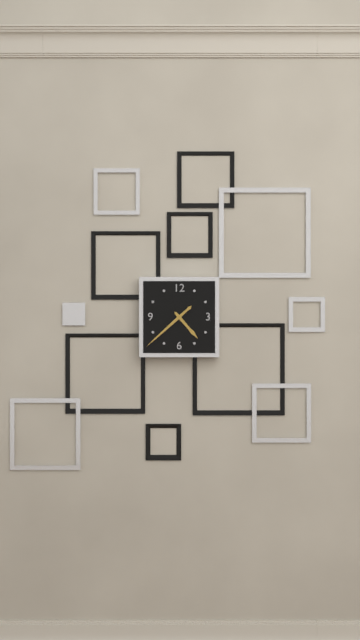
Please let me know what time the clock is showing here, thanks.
4:38
